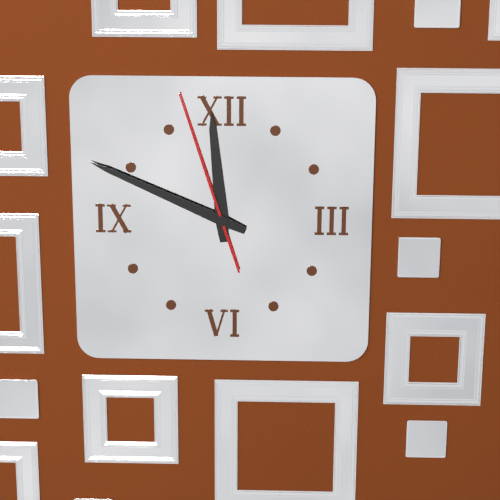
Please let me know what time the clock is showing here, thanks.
11:49:57
